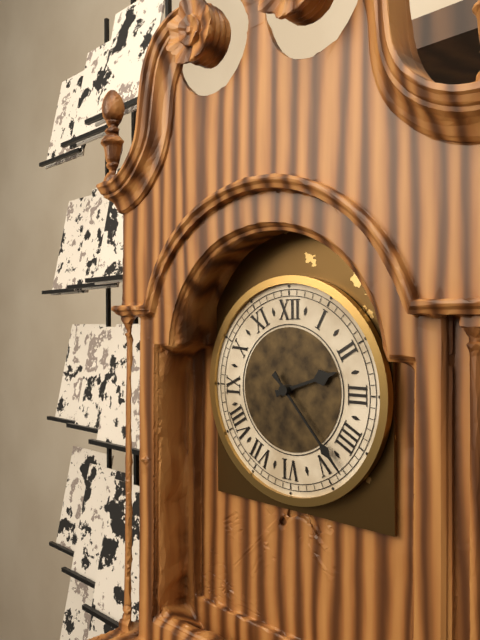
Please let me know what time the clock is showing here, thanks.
2:23
